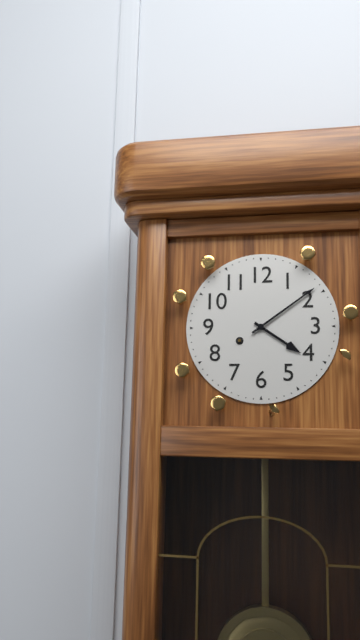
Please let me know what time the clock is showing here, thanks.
4:09
